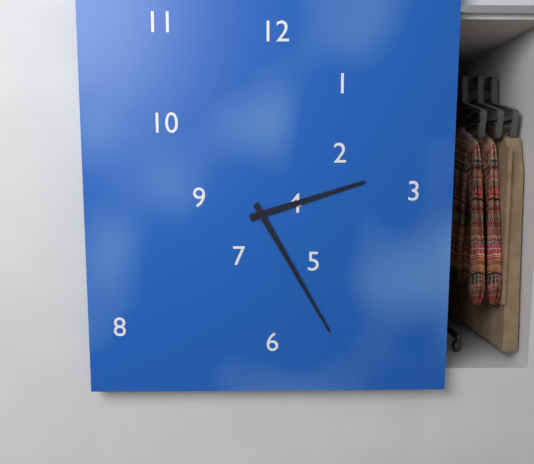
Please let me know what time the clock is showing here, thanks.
2:25
